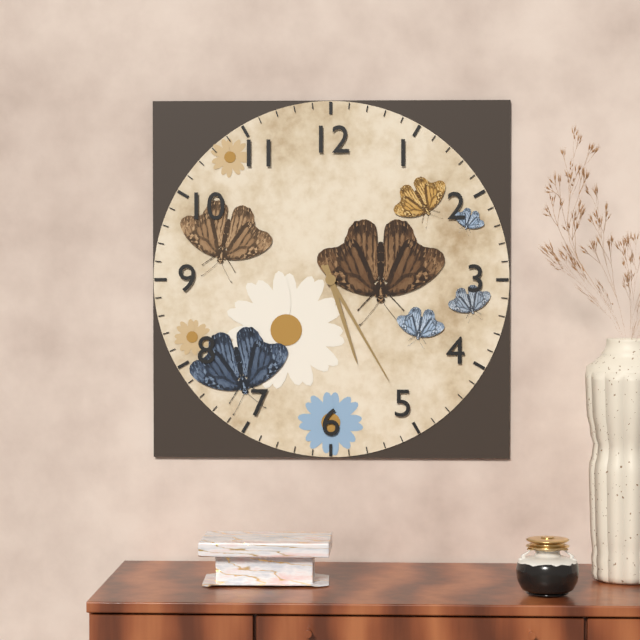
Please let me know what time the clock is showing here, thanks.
5:25
